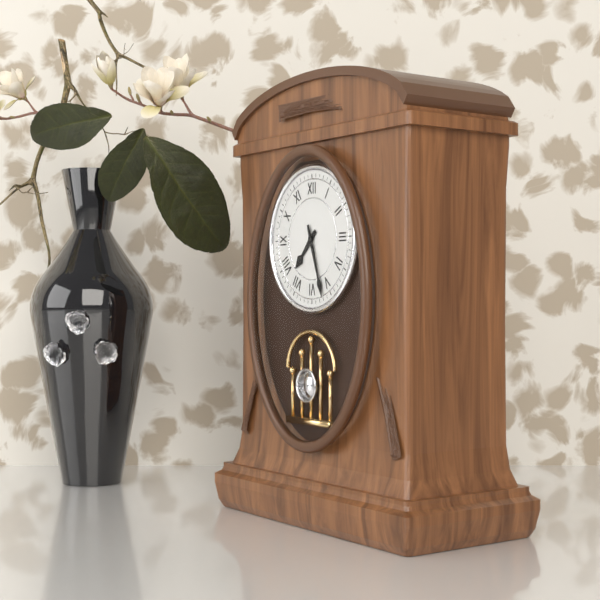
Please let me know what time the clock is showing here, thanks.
7:27
